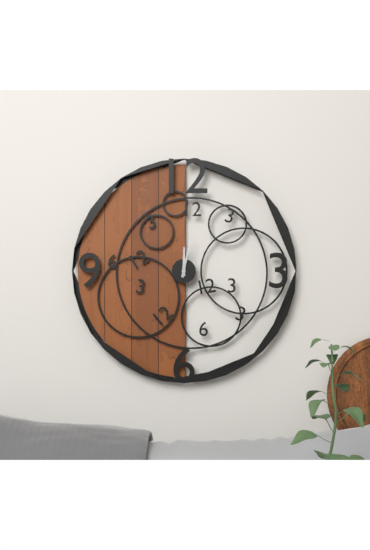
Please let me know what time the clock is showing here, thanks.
12:02
